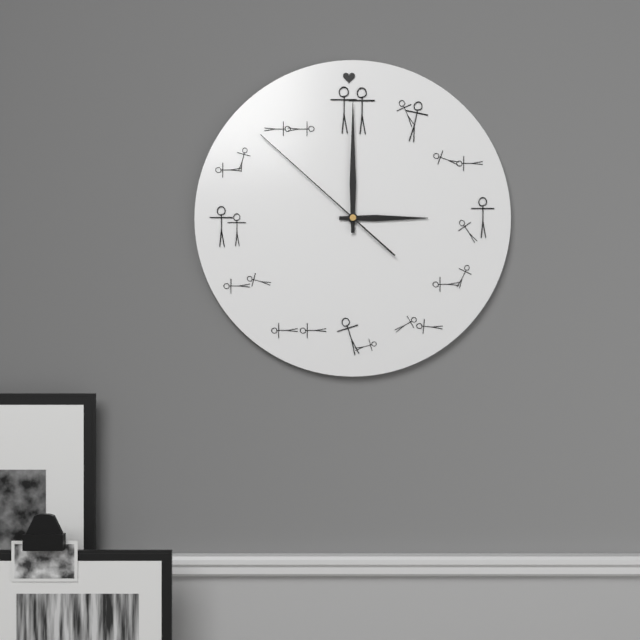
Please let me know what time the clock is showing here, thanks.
3:00:52
